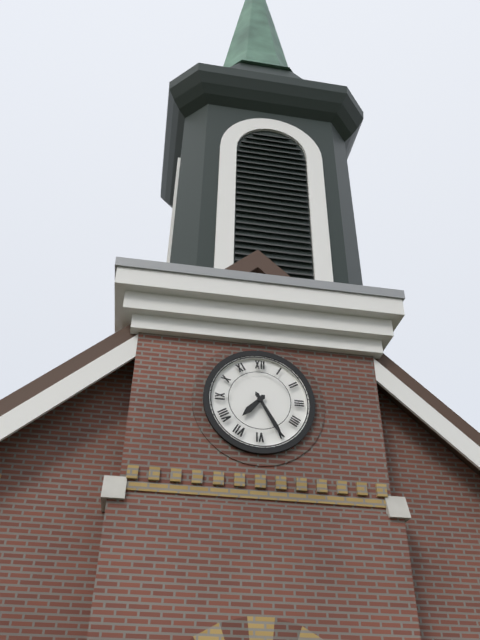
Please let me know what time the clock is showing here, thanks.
7:25
